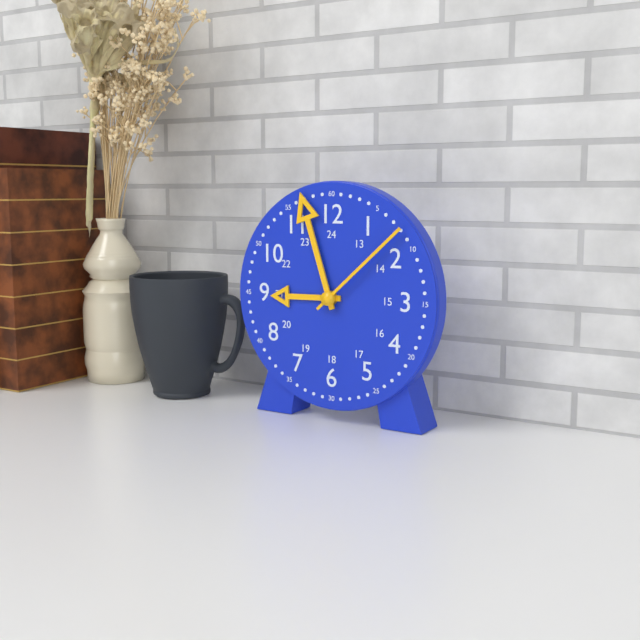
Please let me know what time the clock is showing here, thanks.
8:57:08
